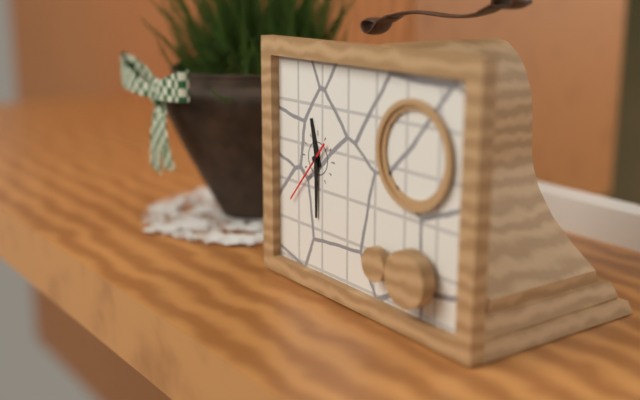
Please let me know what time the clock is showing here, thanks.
11:30:37
